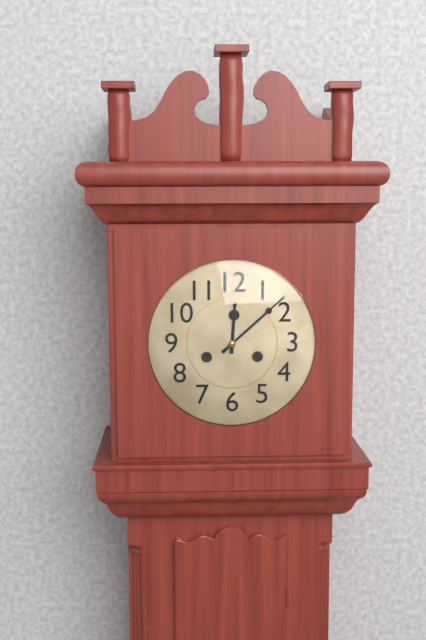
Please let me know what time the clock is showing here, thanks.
12:08
